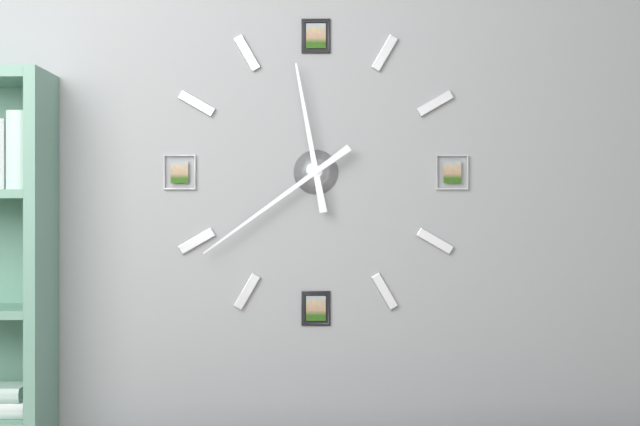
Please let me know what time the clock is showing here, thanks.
11:39
